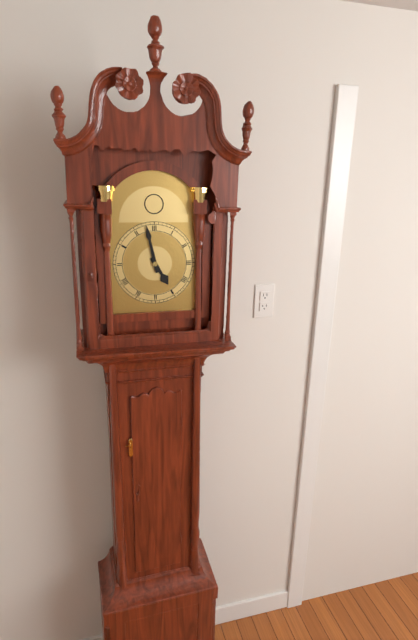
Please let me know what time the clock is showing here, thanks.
4:58
